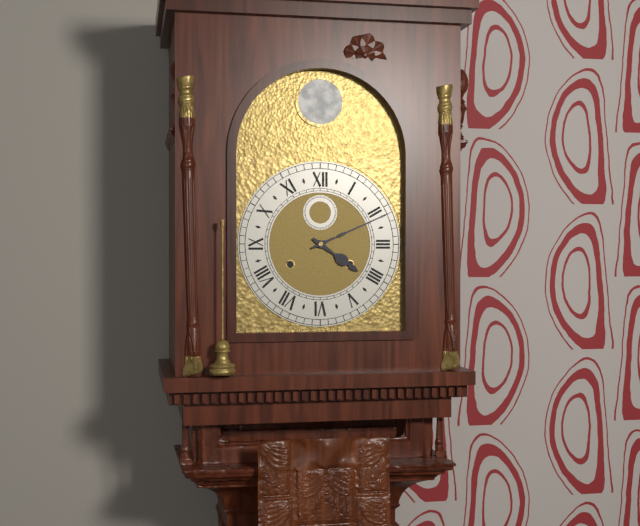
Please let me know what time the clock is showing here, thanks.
4:11
